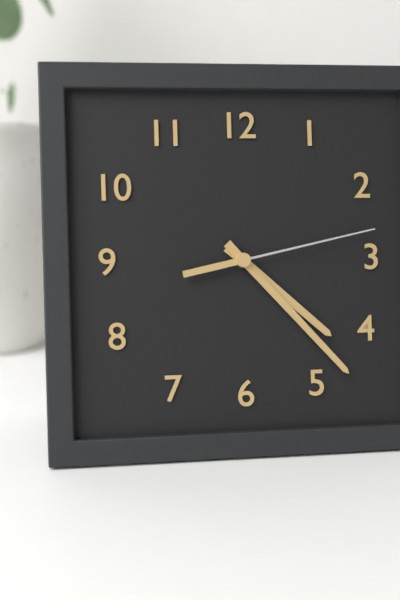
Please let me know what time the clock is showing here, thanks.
4:23:13
